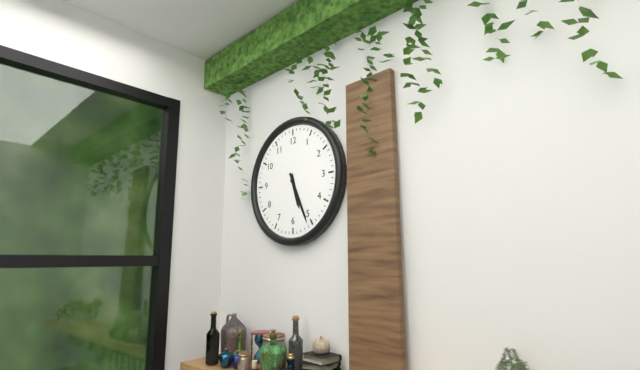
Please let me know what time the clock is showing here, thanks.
5:26
